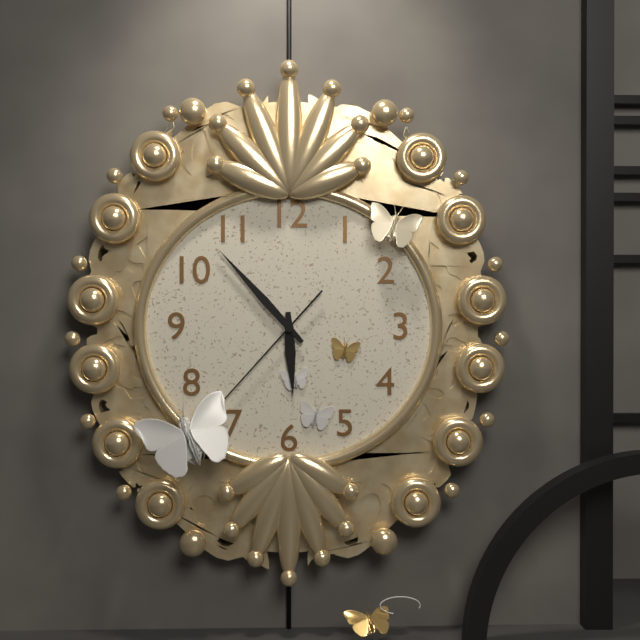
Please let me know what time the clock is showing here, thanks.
5:53:37
